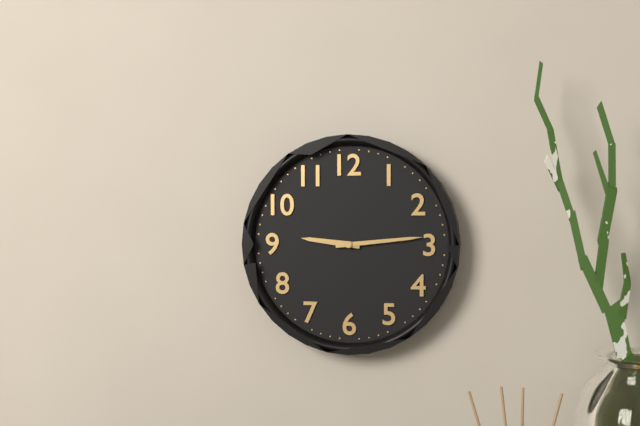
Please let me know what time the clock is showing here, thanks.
9:14
